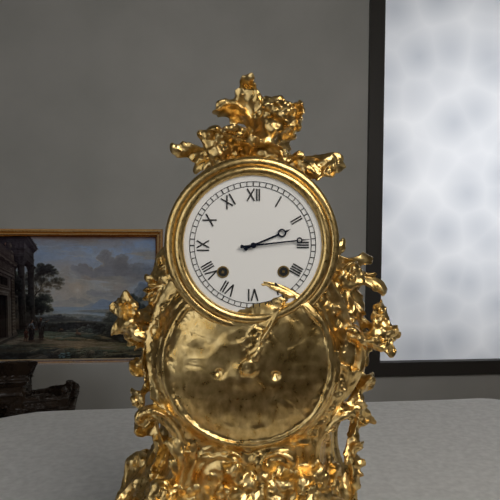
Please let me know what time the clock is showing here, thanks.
2:14
